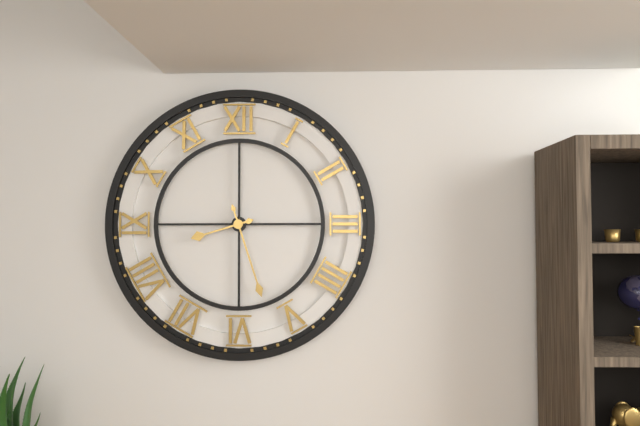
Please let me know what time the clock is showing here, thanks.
8:27
